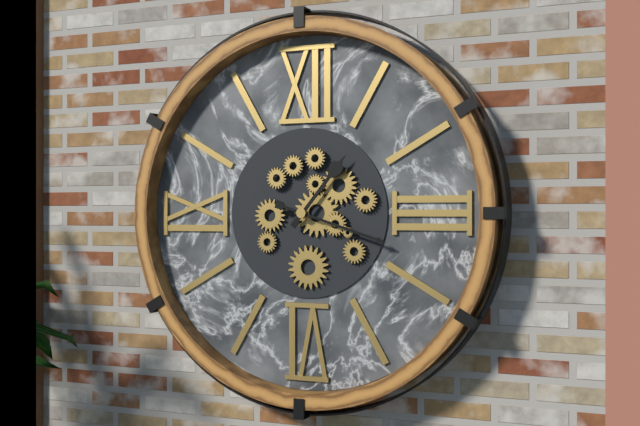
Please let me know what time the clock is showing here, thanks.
1:18
